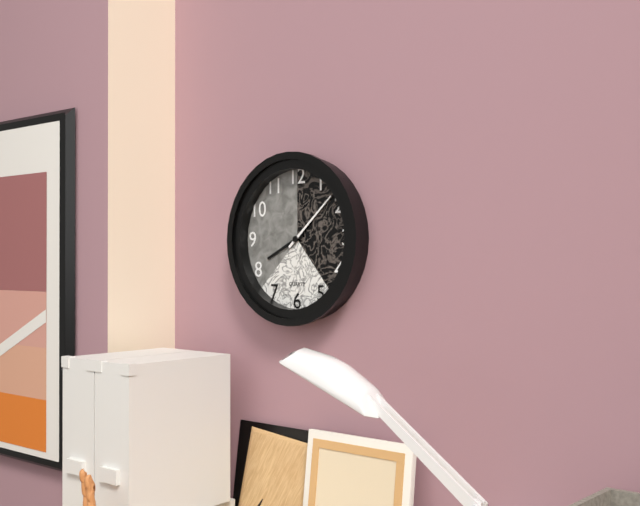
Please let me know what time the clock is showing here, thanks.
8:08
